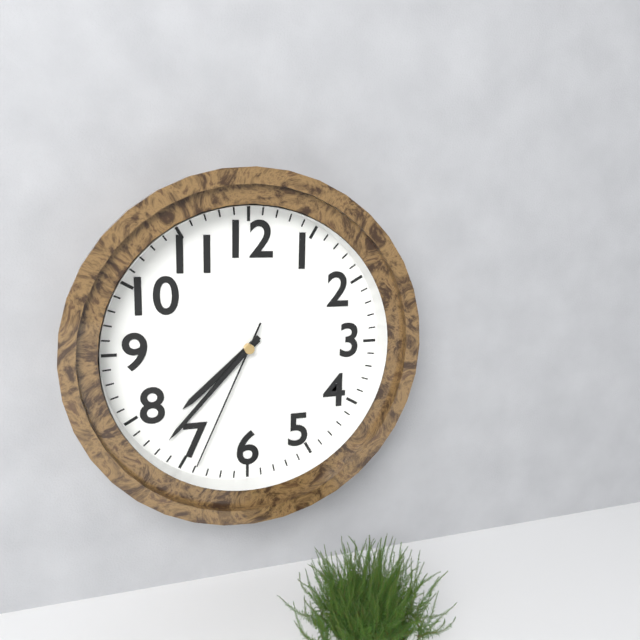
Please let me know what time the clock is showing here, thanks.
7:37:34
